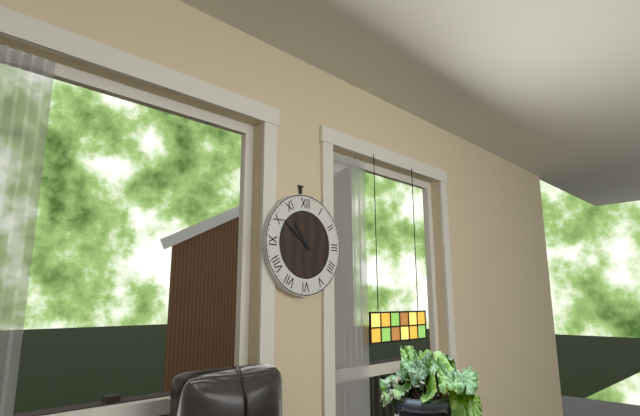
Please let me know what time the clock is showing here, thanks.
10:51
